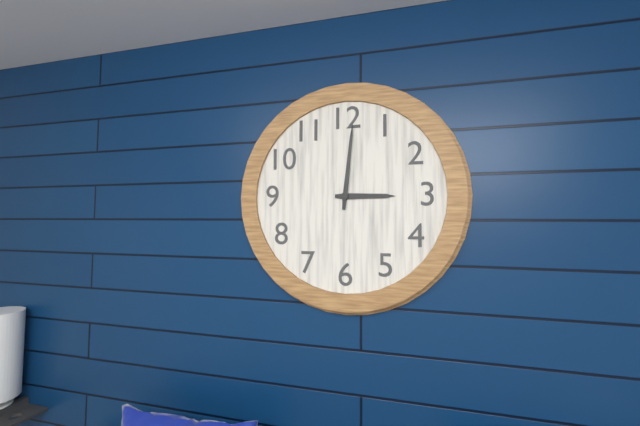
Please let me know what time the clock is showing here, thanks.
3:01
